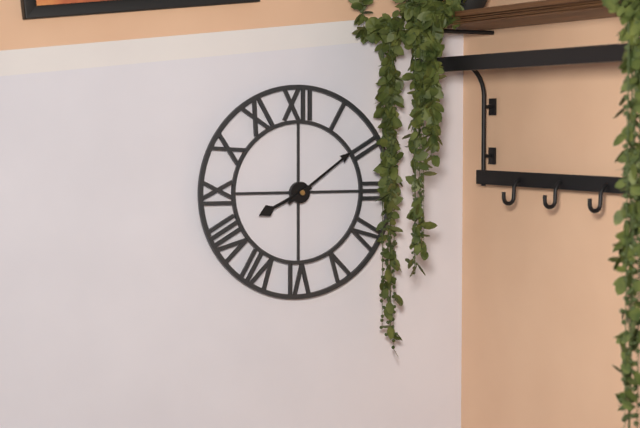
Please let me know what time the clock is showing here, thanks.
8:09
